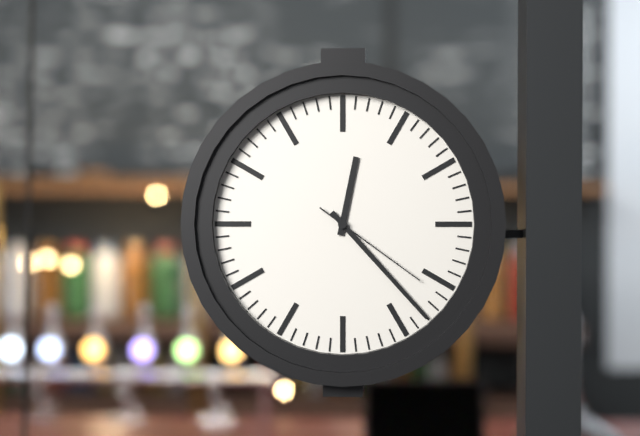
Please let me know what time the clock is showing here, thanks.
12:23:21
